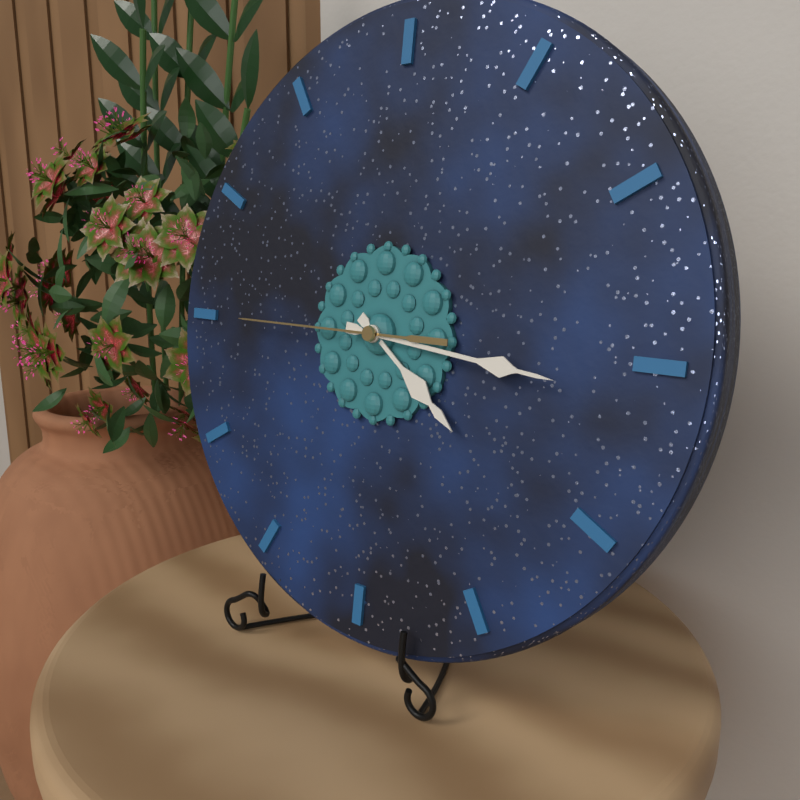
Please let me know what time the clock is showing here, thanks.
4:16:45
